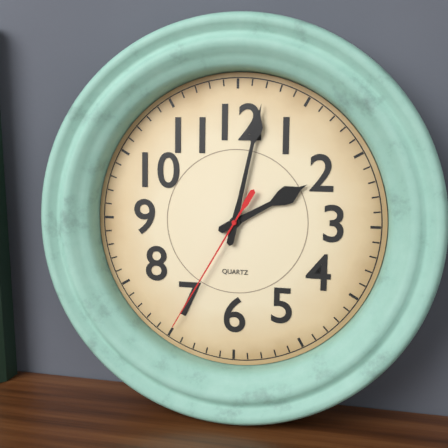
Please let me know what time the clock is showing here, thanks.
2:02:35
